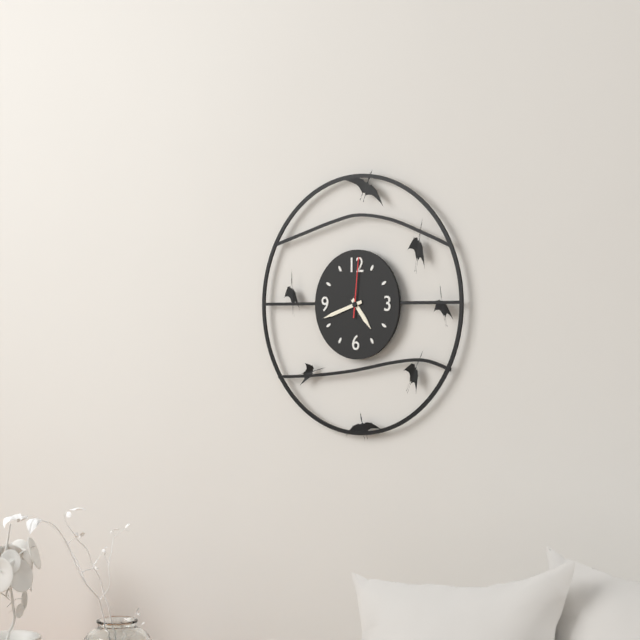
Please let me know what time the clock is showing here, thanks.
4:42:01
